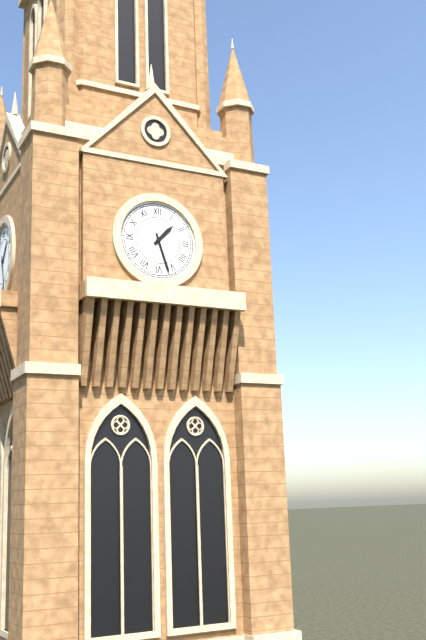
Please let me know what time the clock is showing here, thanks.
1:27
